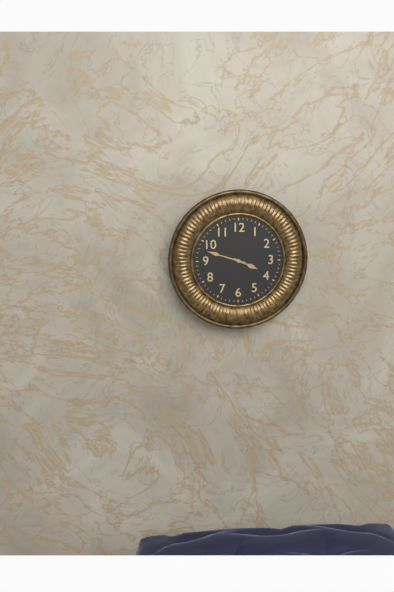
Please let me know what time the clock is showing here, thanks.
3:48
